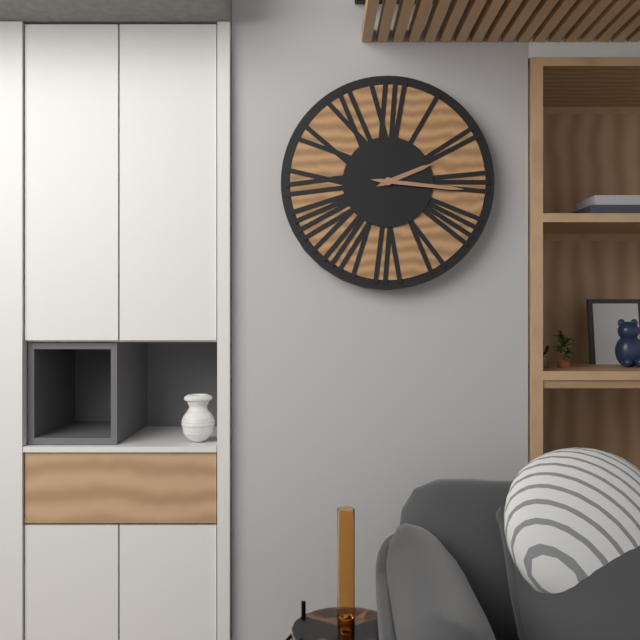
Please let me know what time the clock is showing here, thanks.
2:16
